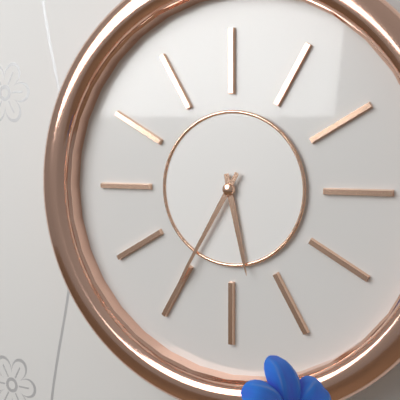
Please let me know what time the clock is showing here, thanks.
5:35
